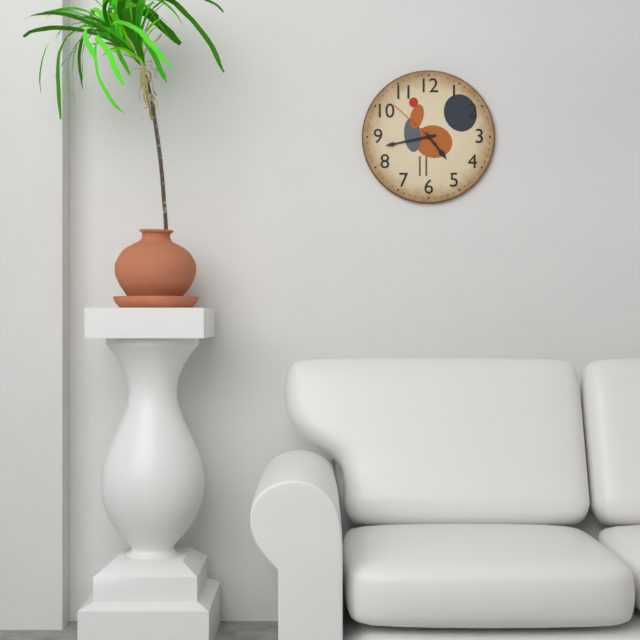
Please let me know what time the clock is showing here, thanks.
4:43:52
